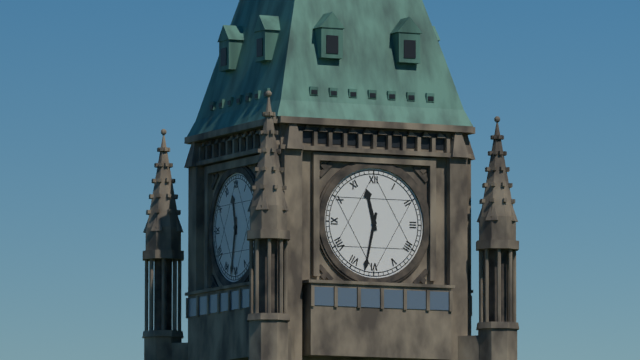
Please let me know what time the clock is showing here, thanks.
11:32
